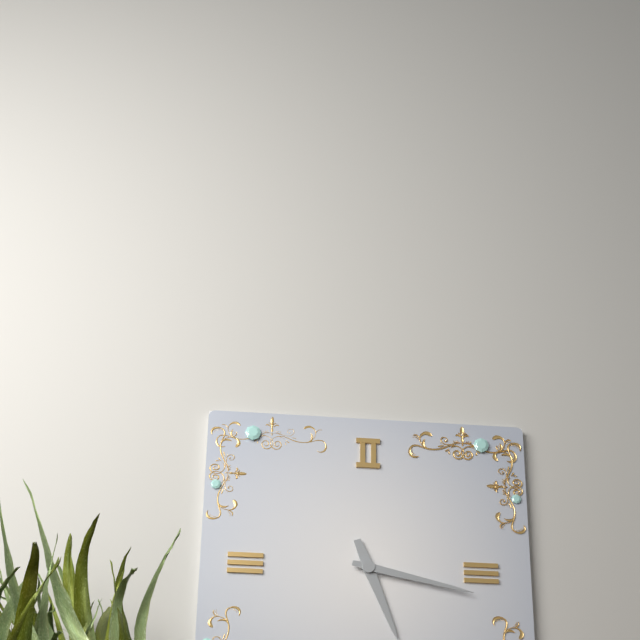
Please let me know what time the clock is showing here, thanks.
5:17
